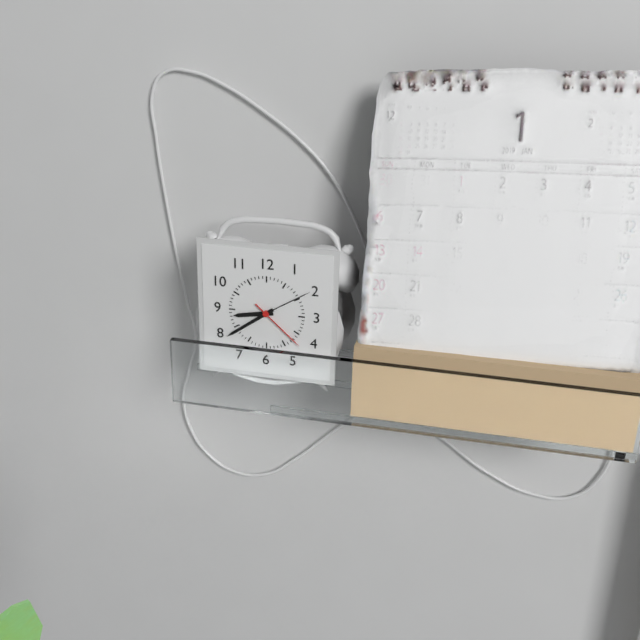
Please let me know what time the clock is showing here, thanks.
8:39:22
